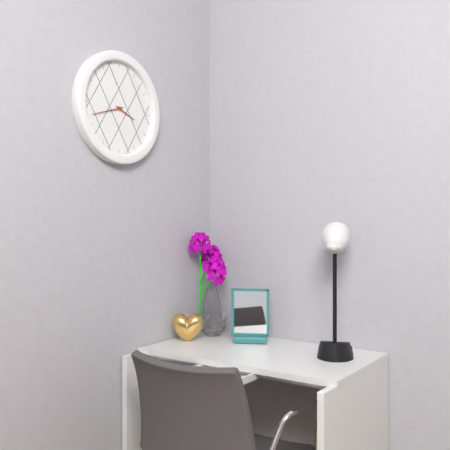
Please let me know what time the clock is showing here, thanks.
3:42
